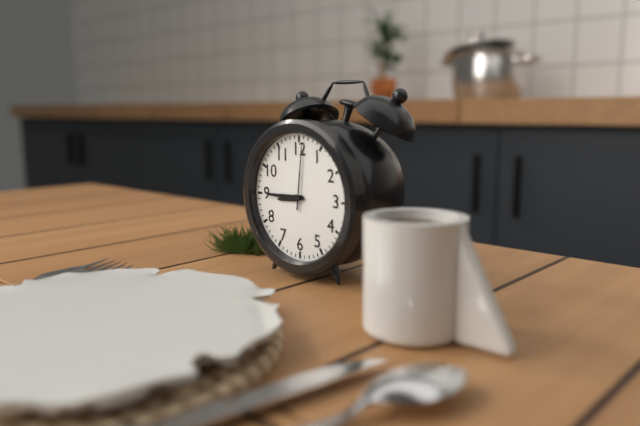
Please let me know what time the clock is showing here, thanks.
8:45:01
